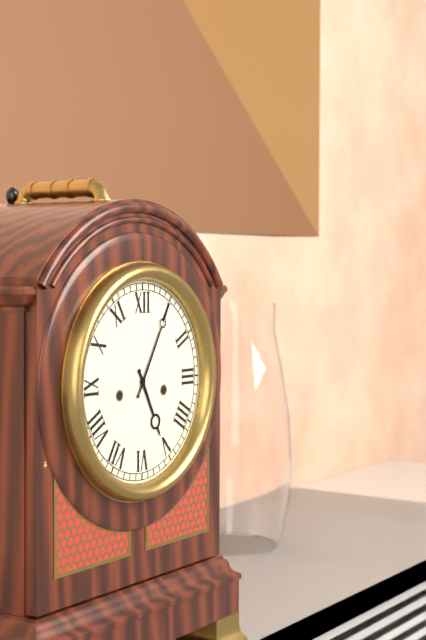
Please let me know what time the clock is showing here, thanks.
5:05
